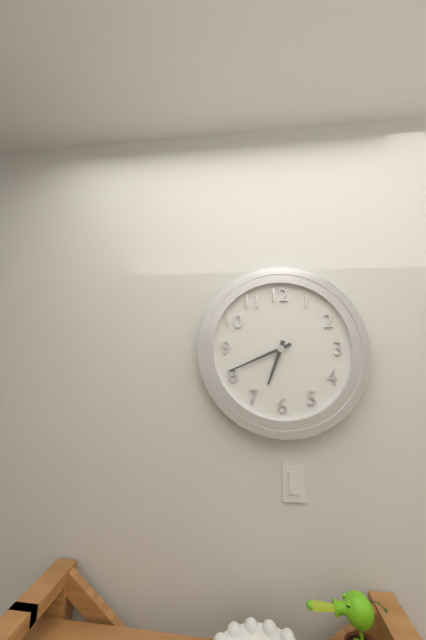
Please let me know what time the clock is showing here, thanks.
6:41
